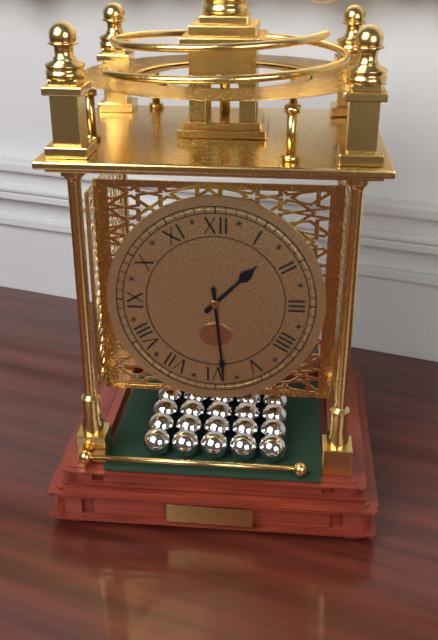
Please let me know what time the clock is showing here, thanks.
1:29
